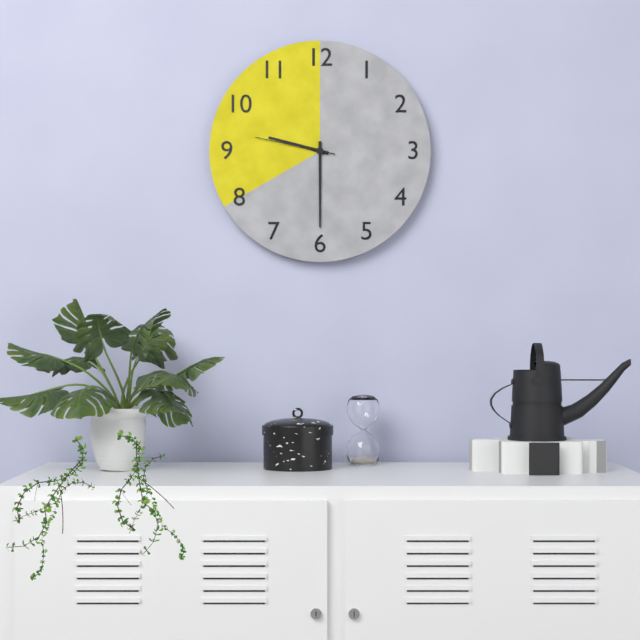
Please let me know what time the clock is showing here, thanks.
9:30:47
